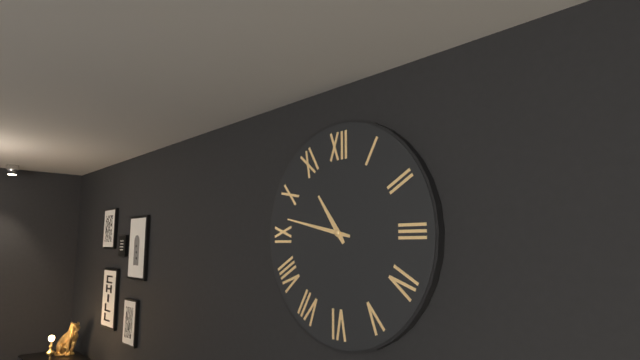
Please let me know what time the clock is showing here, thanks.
10:47
